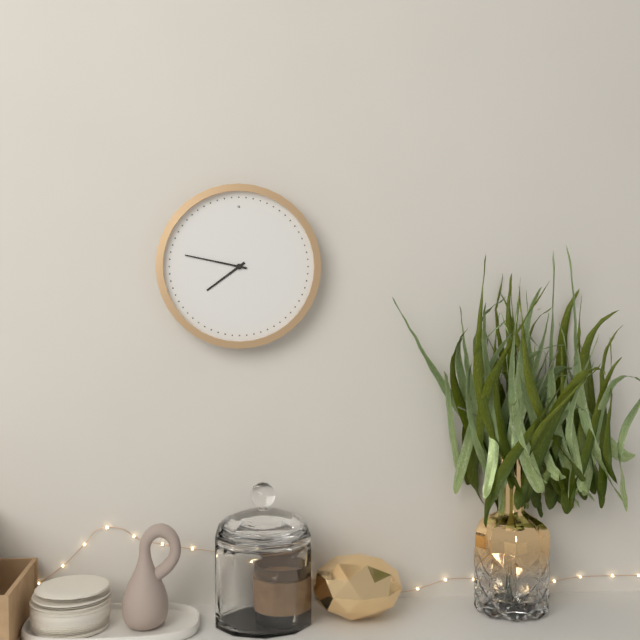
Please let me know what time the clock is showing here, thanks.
7:47
